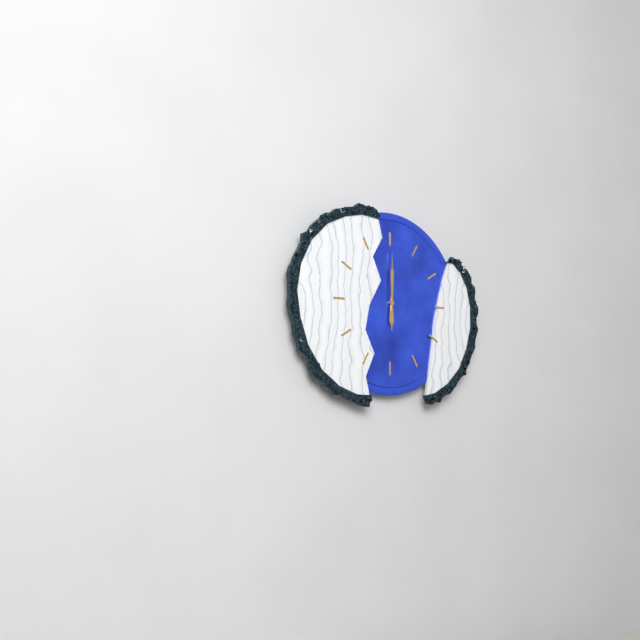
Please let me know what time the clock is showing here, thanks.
6:00
